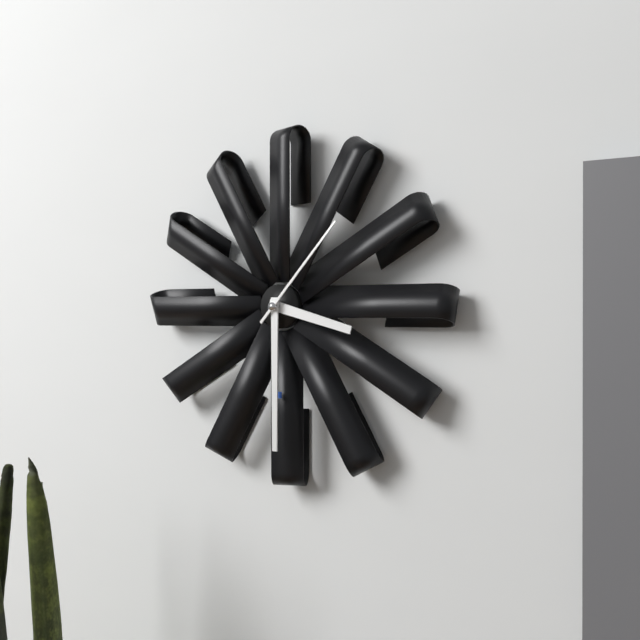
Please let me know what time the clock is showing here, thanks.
3:30:07
